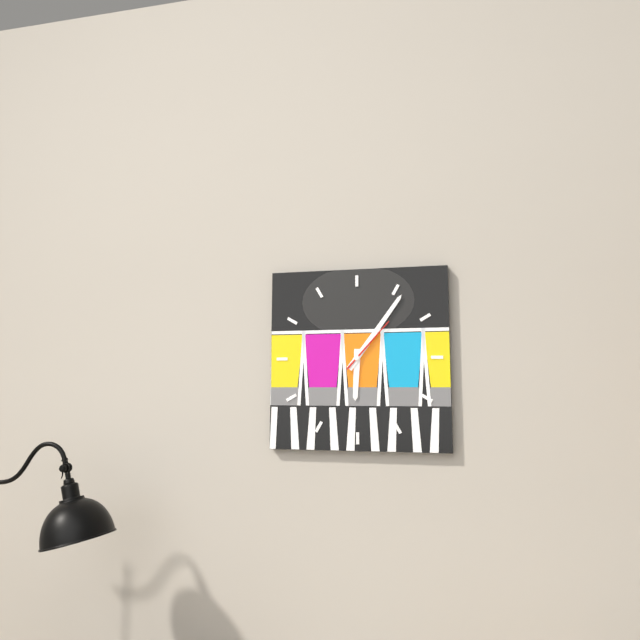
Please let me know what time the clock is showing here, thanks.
6:06:07
